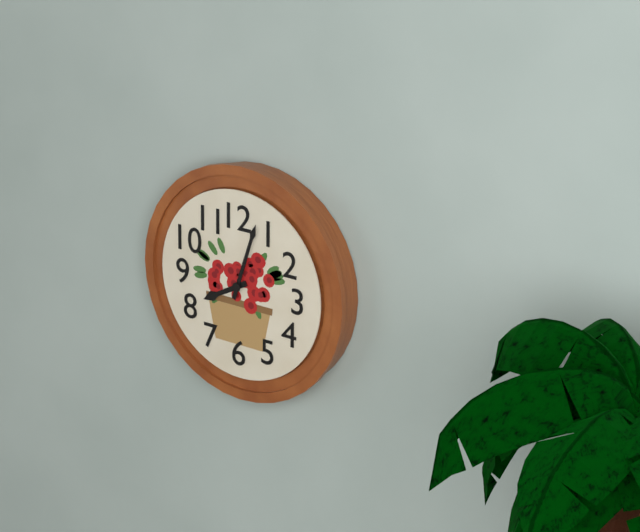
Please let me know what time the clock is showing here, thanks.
8:03
